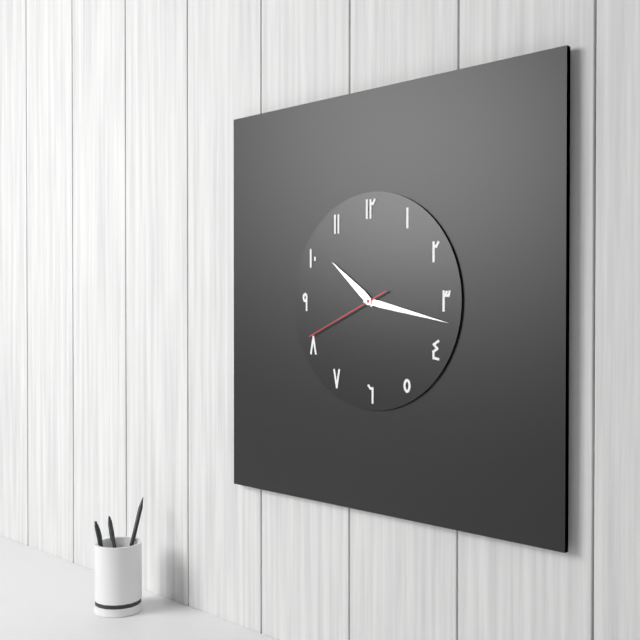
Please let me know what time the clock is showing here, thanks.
10:17:41
